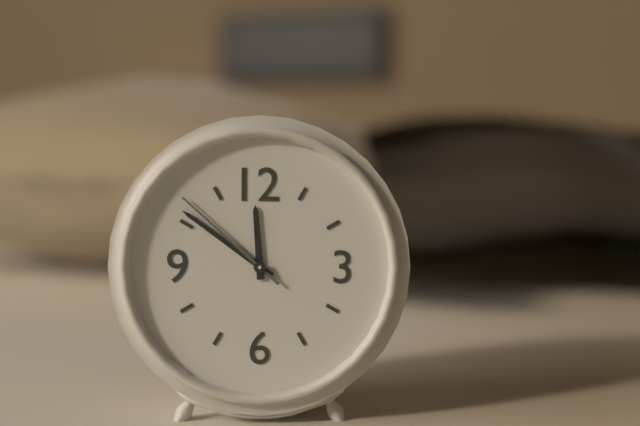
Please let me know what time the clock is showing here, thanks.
11:51:52
